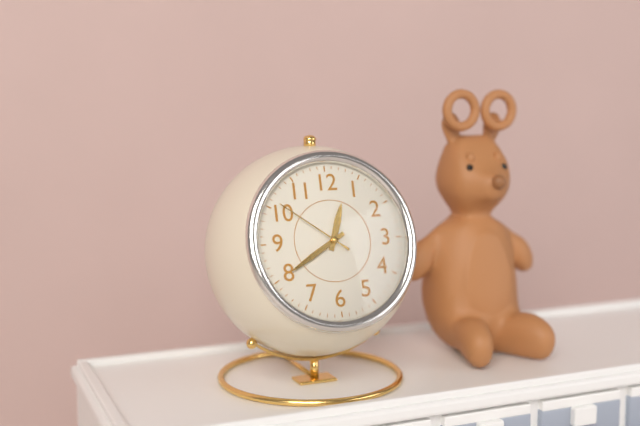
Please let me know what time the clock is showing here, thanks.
12:40:51
